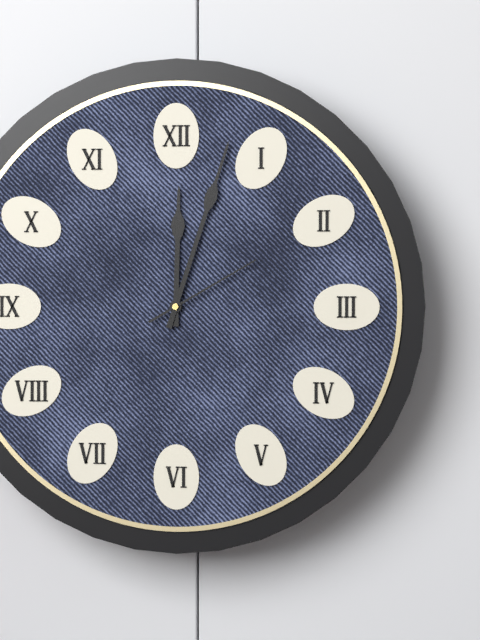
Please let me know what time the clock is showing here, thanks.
12:03:10
